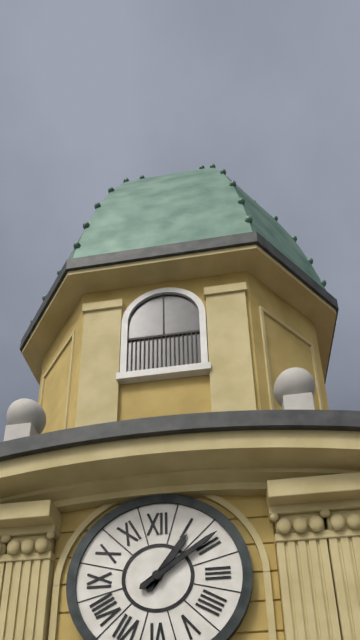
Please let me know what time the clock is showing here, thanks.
1:09
